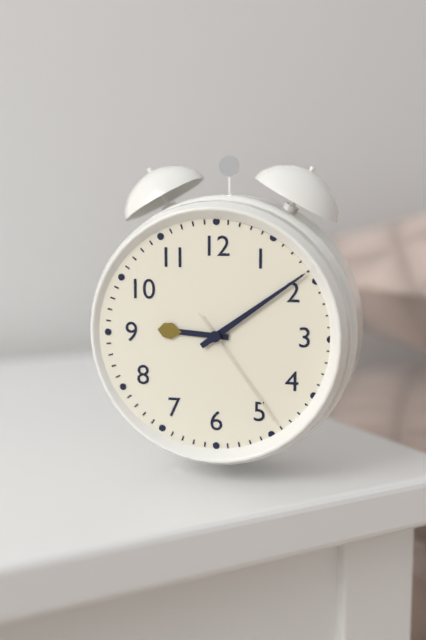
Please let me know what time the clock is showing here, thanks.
9:09:24
